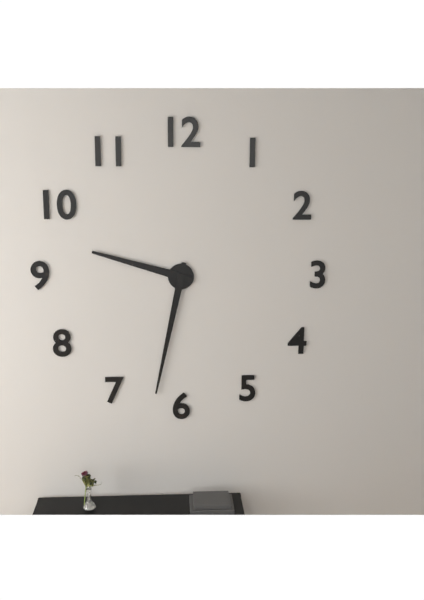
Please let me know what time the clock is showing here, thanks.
9:32
